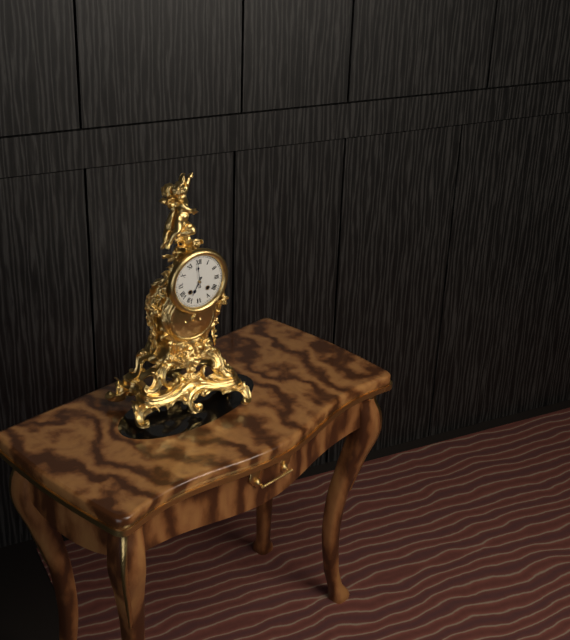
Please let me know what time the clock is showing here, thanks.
6:59
